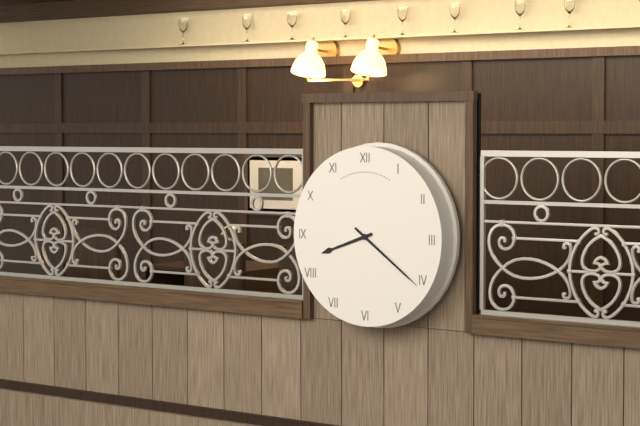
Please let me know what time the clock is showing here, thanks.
8:21
